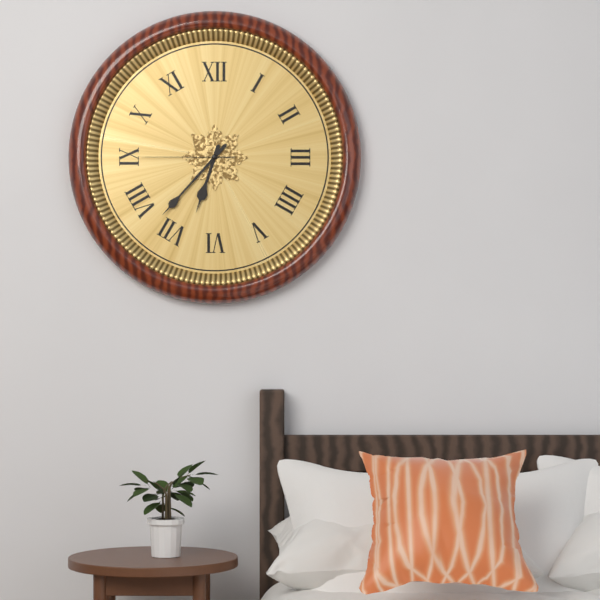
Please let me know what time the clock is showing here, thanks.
6:37:45
